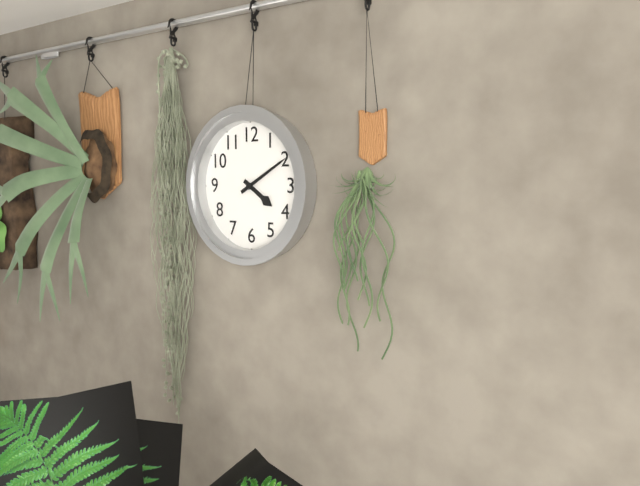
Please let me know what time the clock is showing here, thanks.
4:10
